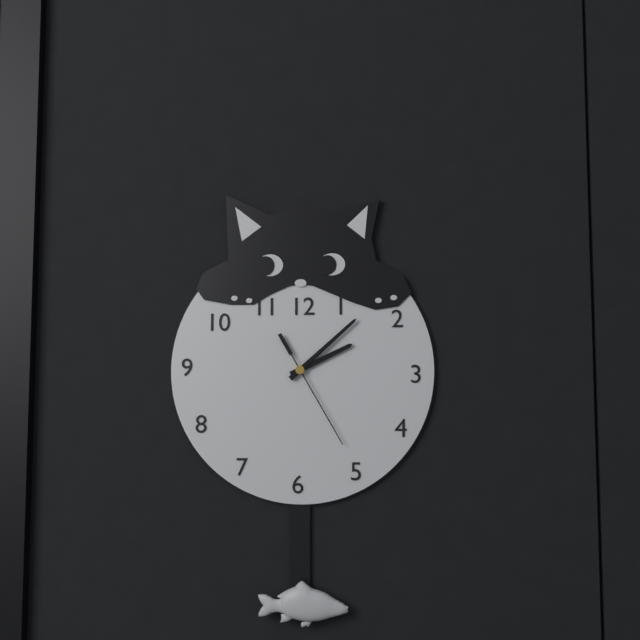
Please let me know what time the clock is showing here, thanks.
2:08:25
